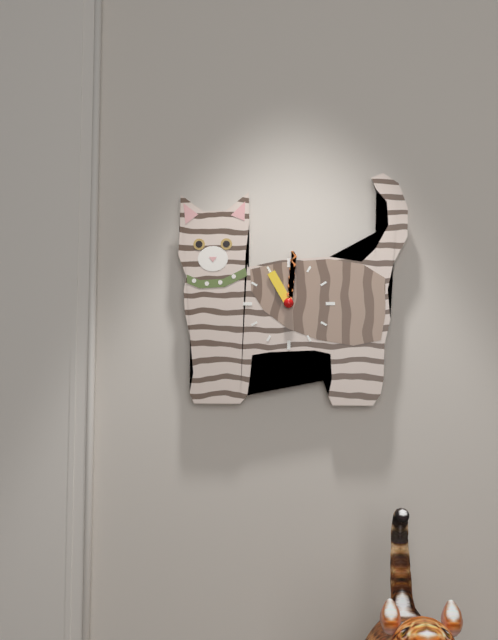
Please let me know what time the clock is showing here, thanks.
11:01
